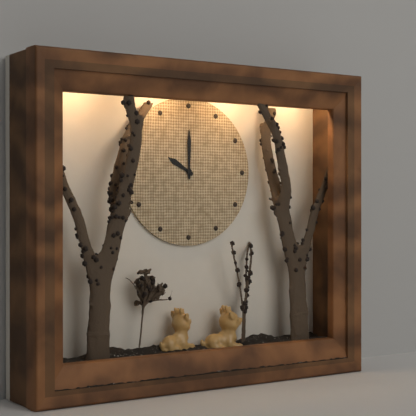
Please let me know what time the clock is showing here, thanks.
10:00
